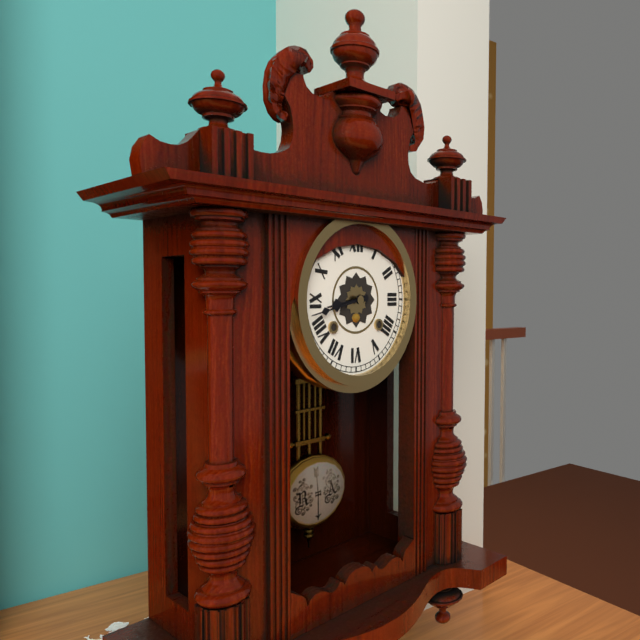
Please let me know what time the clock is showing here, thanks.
8:43
